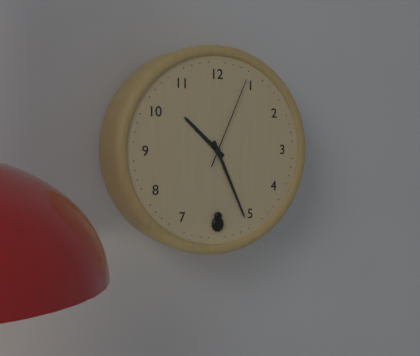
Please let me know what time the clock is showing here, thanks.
10:26:04
